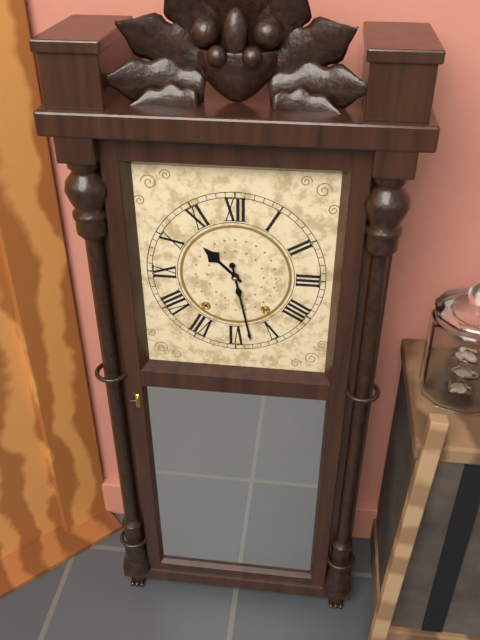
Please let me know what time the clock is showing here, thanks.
10:28
